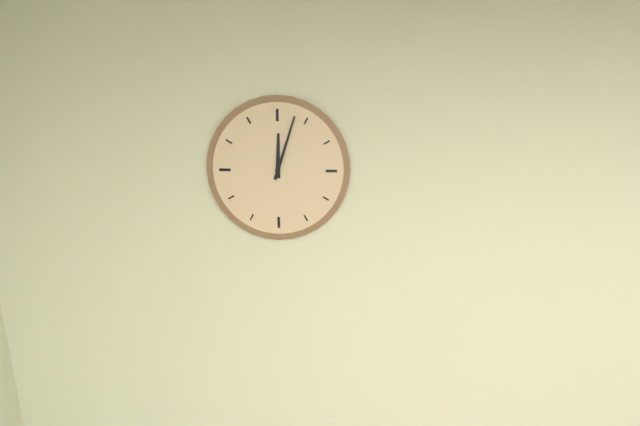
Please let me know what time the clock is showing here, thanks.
12:03
